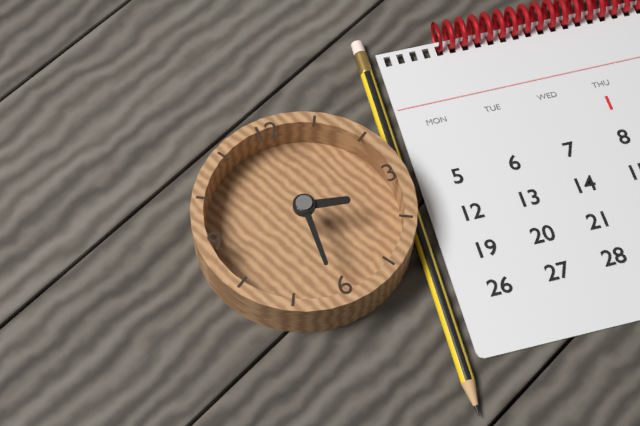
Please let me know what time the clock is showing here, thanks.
3:31
